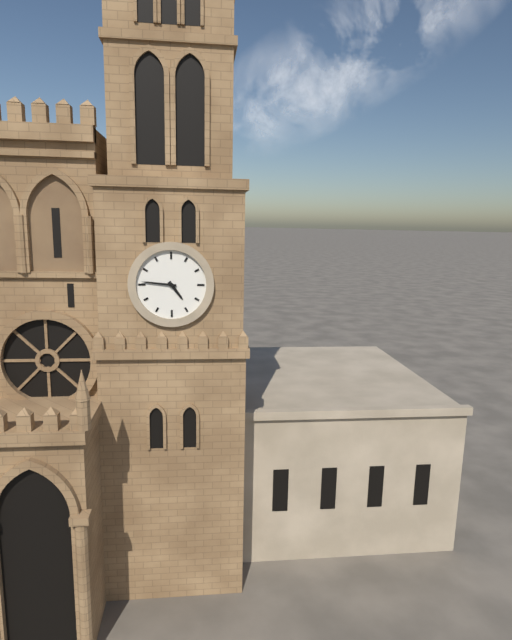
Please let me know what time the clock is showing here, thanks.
4:46
